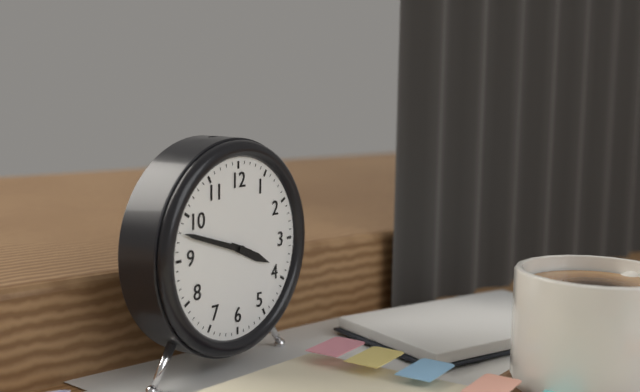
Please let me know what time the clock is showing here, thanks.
3:48
